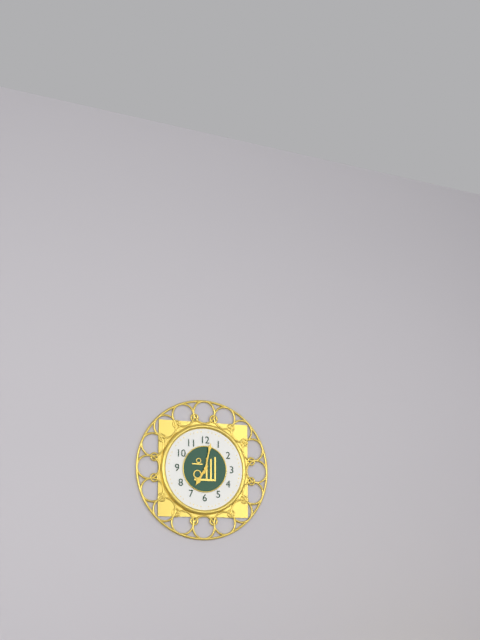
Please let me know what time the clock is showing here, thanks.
7:02
